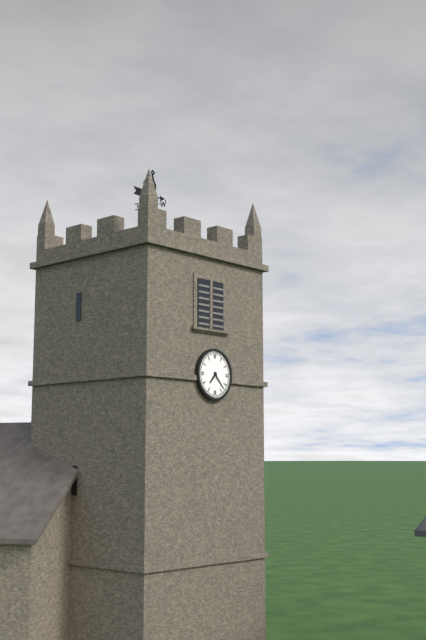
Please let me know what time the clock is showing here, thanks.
7:23
